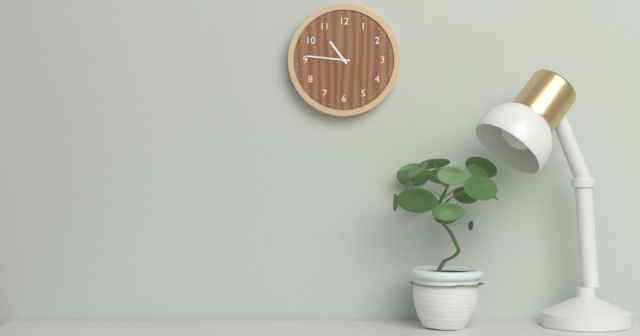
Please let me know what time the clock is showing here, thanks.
10:46
